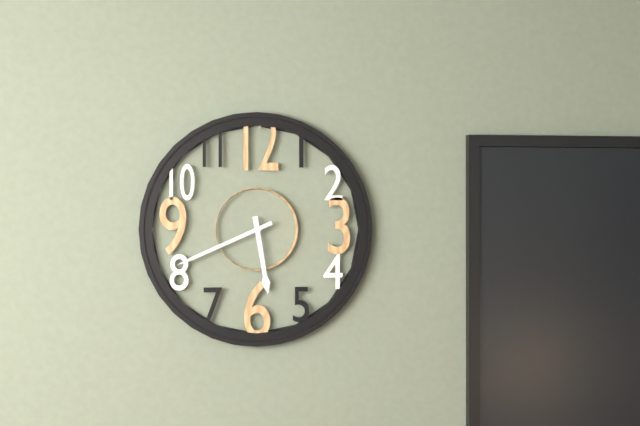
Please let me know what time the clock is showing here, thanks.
5:41
